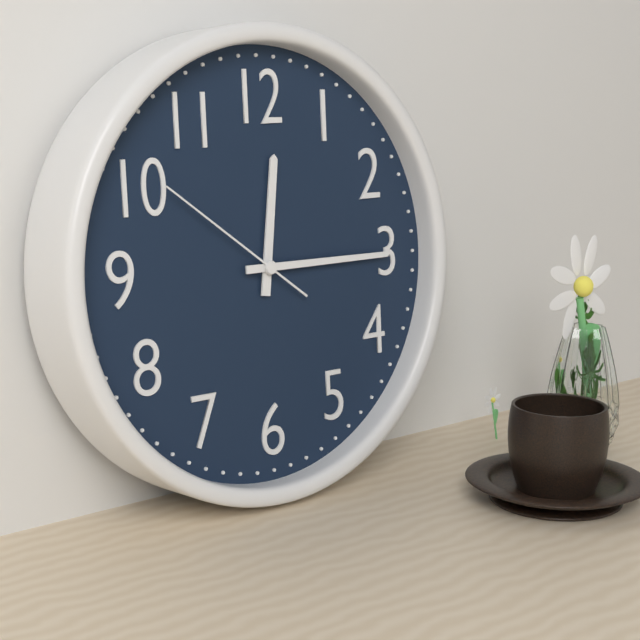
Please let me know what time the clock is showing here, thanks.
12:15:51
